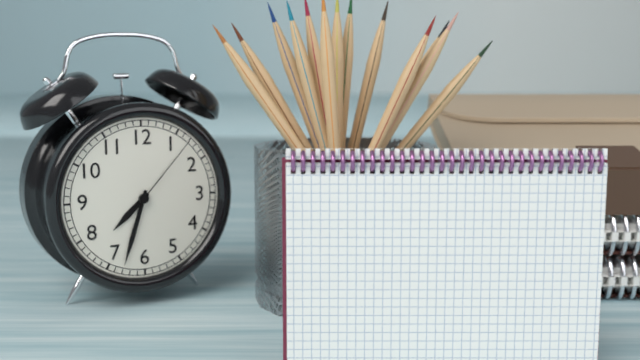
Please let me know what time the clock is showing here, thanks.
7:33:07
